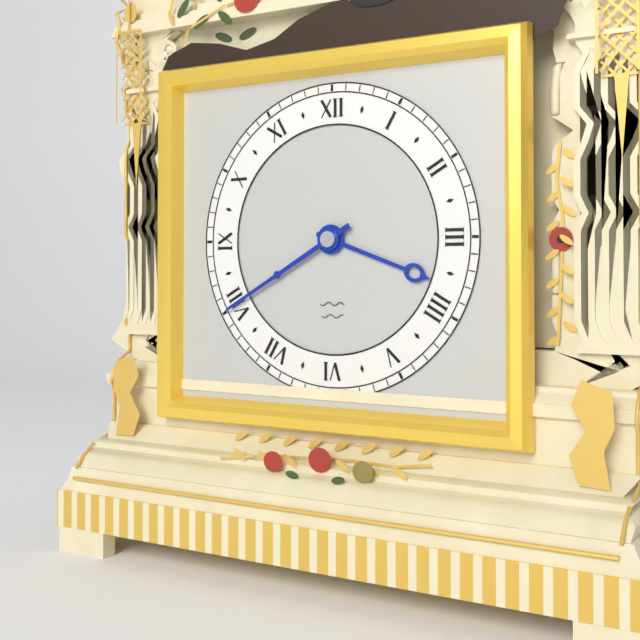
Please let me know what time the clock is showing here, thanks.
3:40
